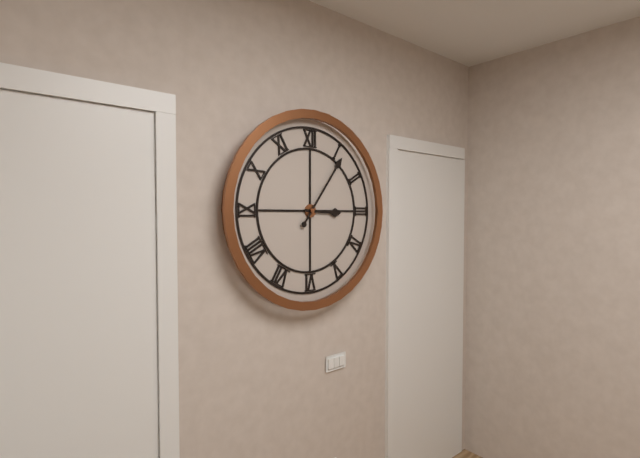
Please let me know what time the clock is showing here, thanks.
3:06
